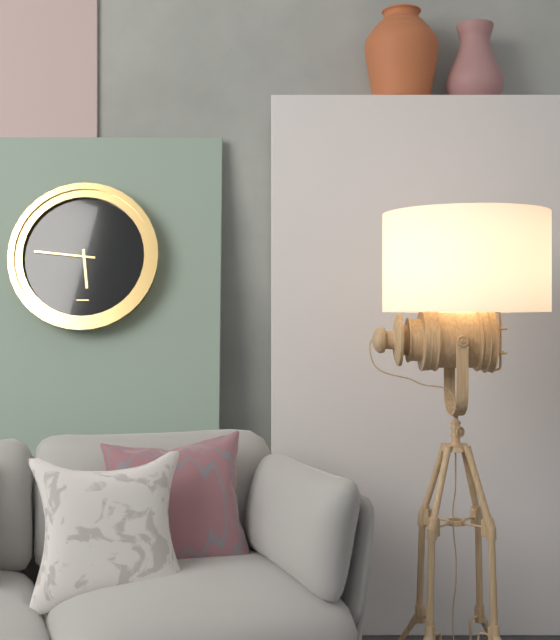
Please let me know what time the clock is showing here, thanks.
5:46
